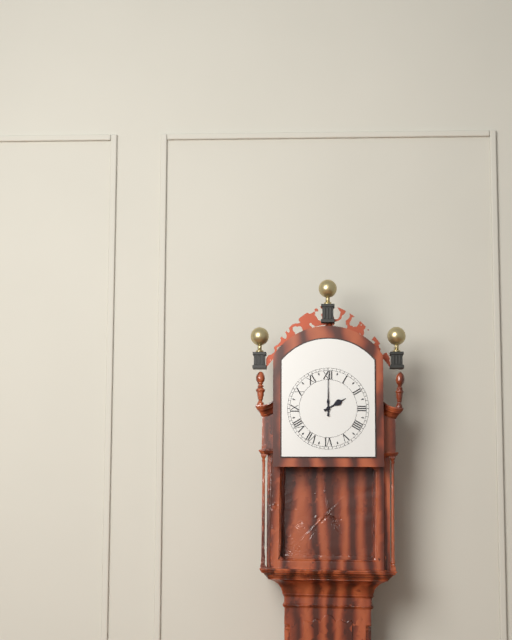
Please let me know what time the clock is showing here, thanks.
2:00
